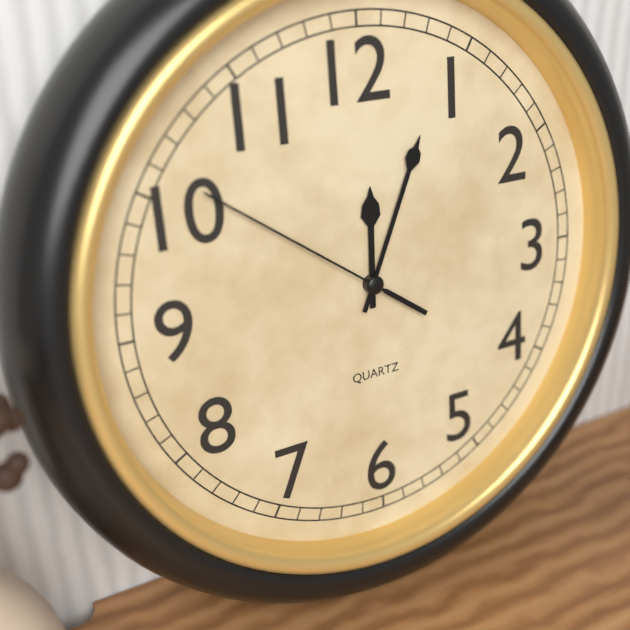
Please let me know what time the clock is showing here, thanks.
12:04:51
